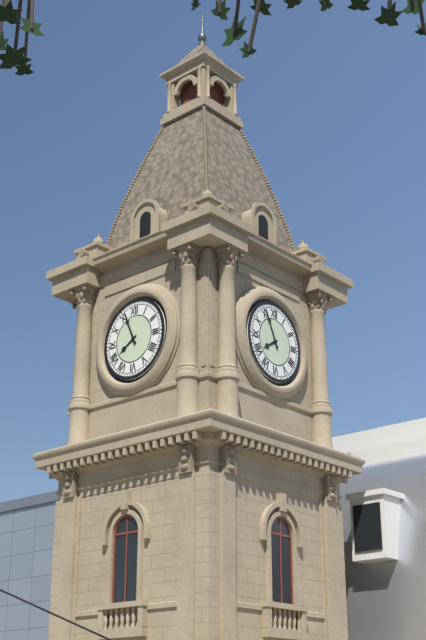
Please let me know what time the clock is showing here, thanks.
7:56
